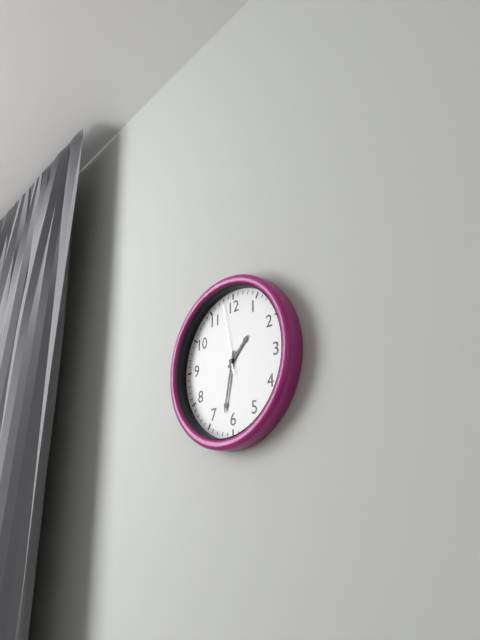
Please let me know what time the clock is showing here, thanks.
1:32:58
